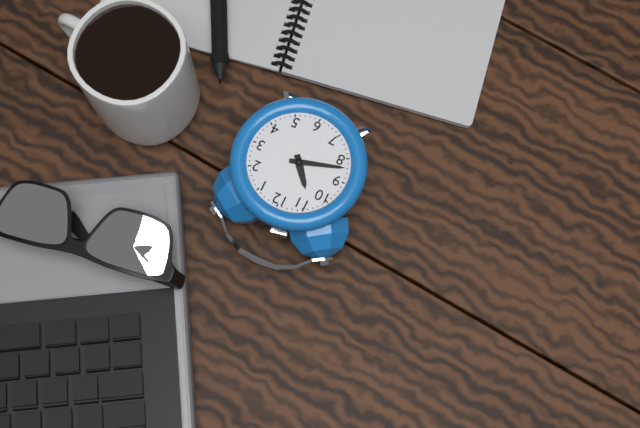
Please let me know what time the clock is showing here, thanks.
10:42
